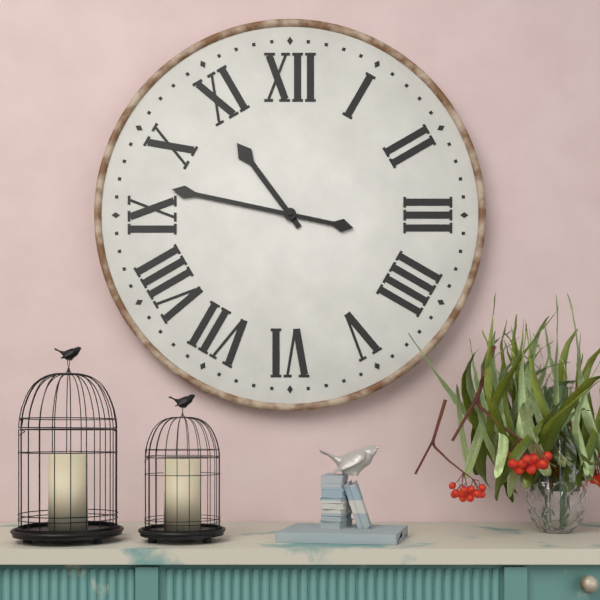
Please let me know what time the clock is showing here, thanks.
10:47
